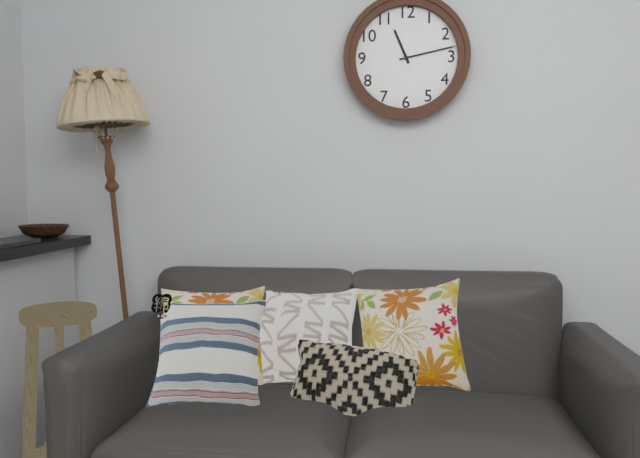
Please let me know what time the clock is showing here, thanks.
11:13
